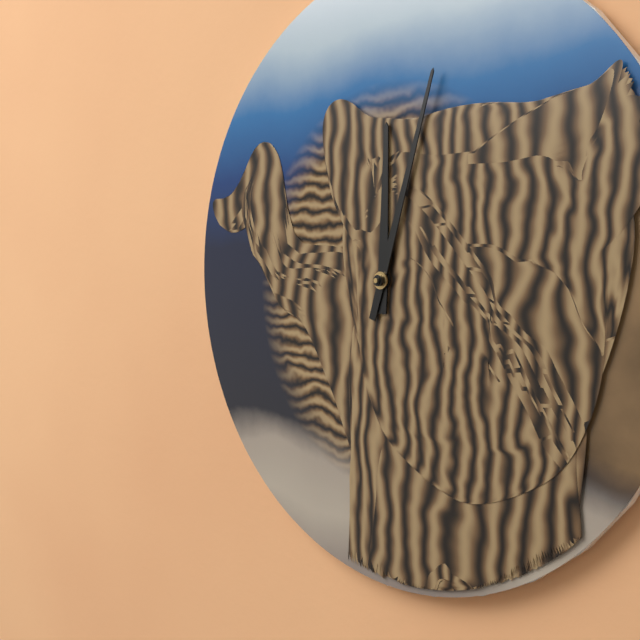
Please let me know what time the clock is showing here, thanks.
12:03
